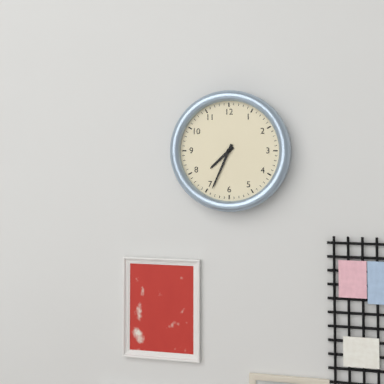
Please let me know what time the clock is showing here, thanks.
7:34
